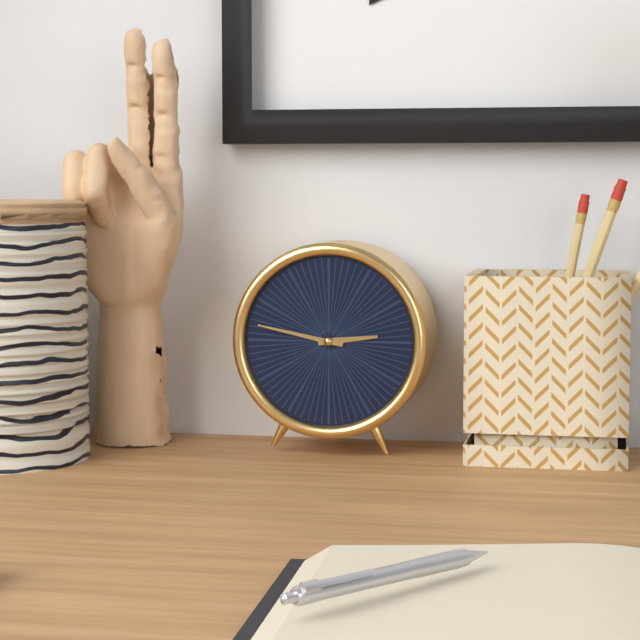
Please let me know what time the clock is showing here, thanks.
2:47
